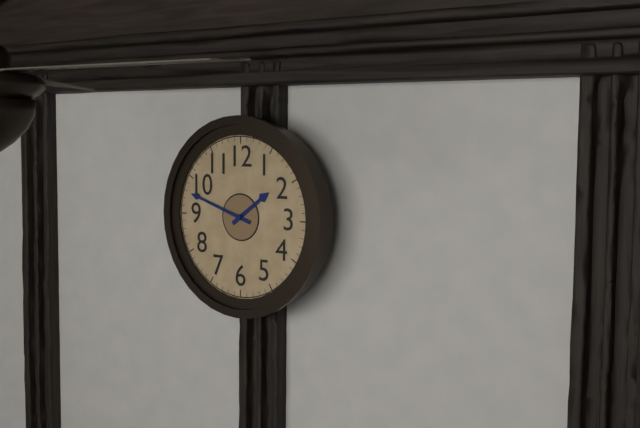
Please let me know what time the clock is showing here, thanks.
1:48
